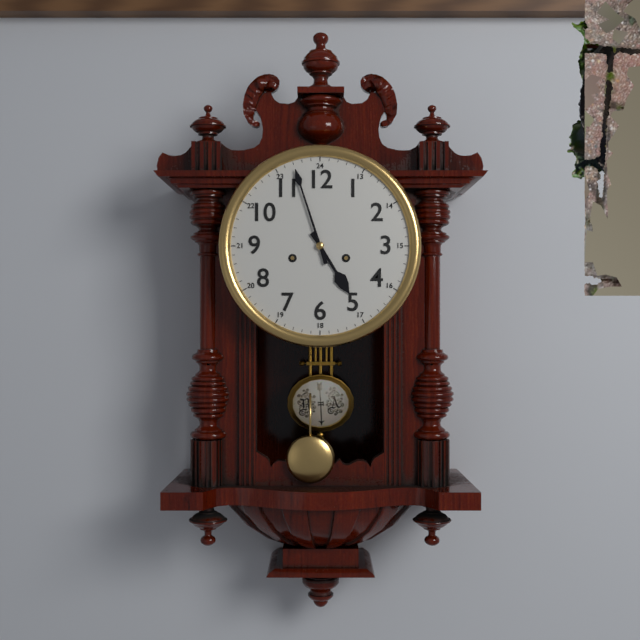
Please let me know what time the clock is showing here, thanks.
4:57
